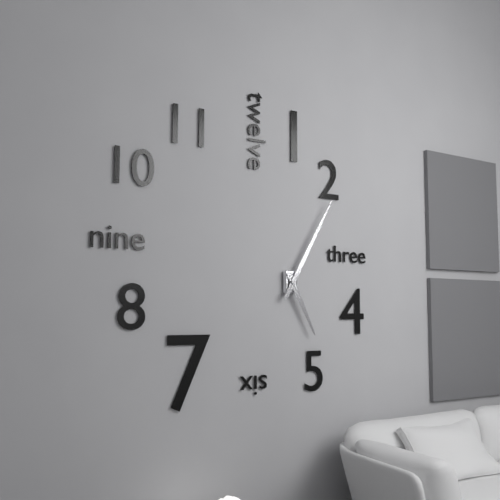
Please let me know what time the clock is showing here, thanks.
5:05
